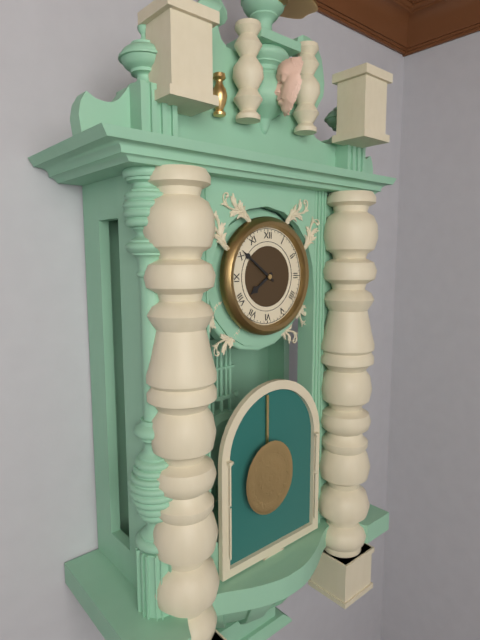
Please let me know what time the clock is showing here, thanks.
7:51
